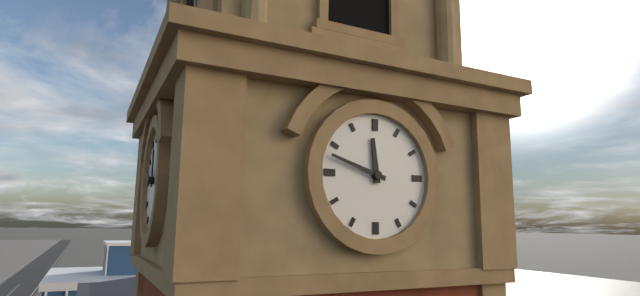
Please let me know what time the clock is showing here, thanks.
11:48
